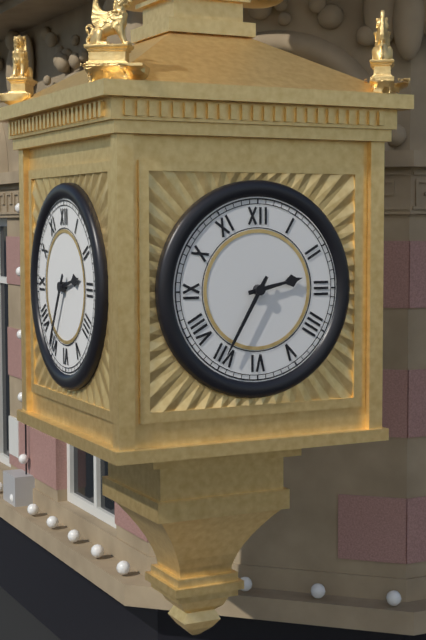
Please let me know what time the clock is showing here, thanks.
2:35
